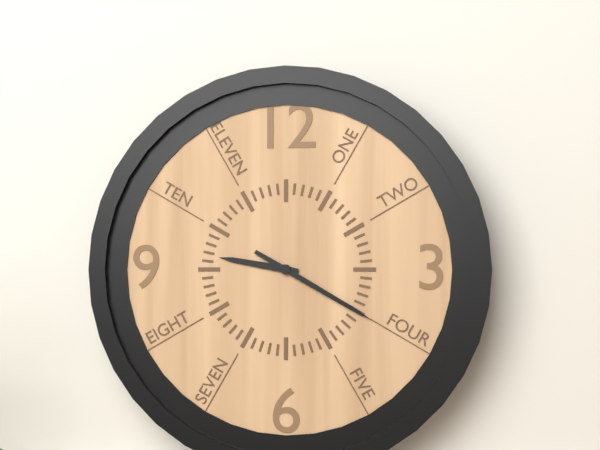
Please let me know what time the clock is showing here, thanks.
9:20
